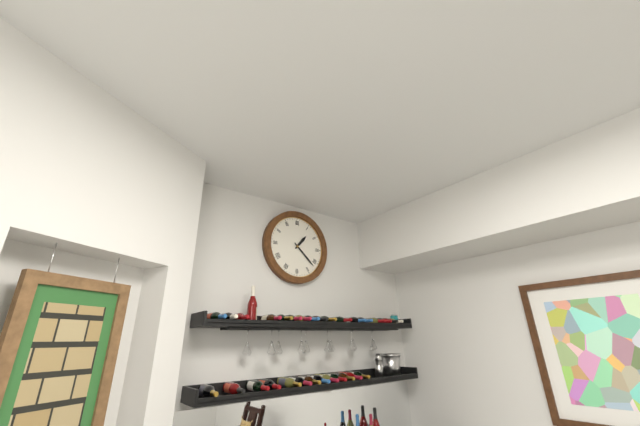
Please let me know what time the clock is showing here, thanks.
1:22
